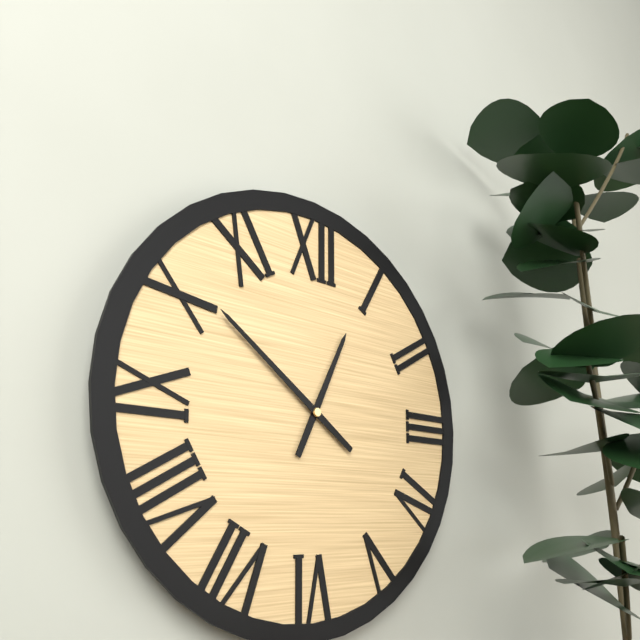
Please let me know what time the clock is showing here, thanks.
12:51
